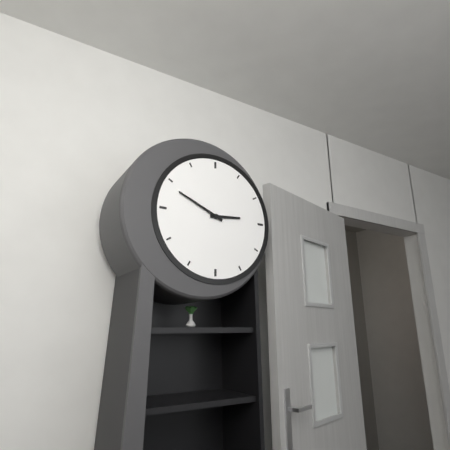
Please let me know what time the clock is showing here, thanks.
2:49
